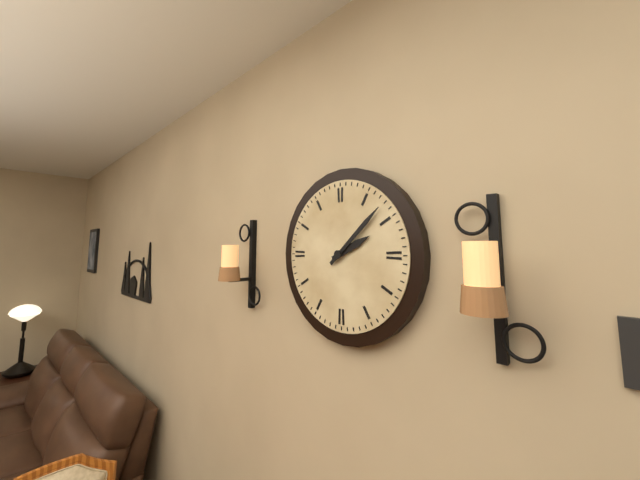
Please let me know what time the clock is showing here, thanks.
2:08
